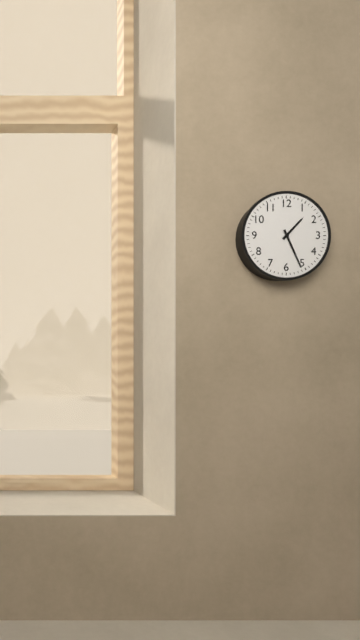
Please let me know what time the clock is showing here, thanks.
1:26
